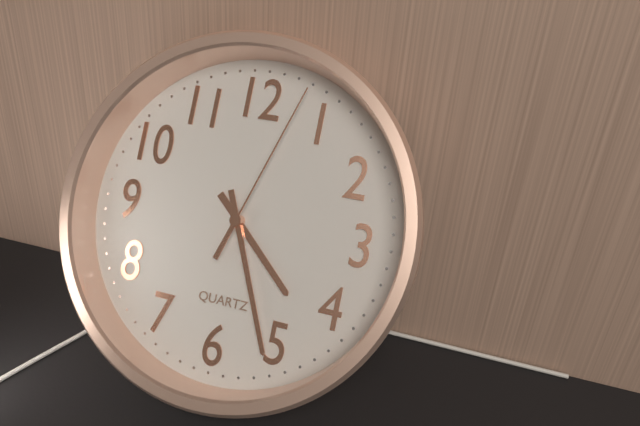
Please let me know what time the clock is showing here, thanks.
4:26:03
